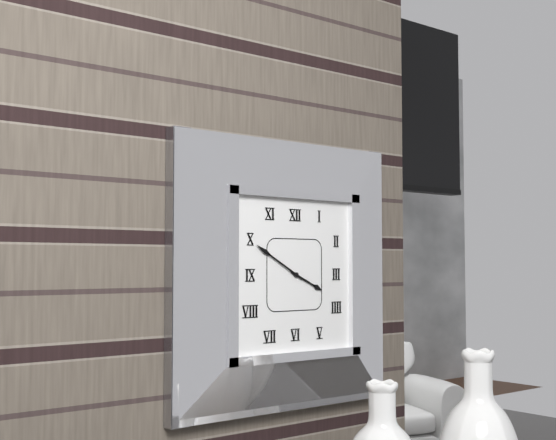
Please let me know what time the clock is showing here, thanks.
3:50
